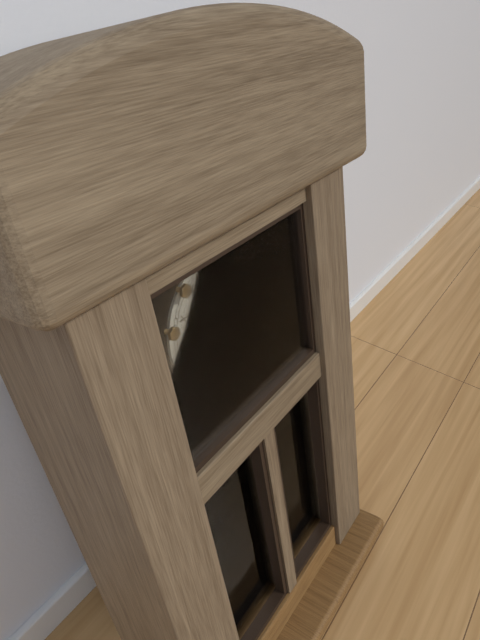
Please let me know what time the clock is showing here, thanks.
7:25
